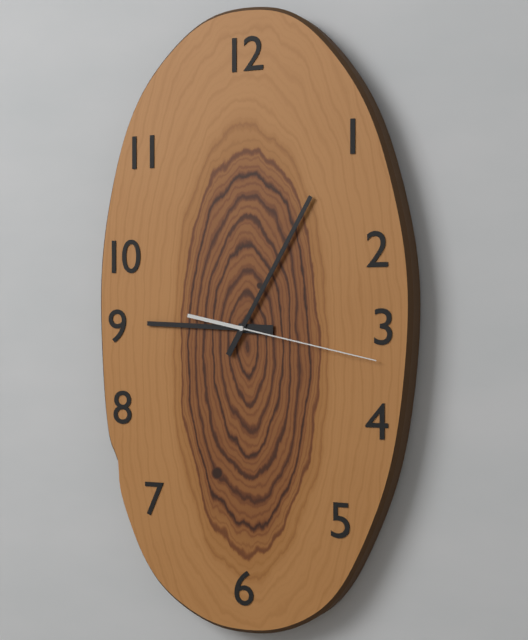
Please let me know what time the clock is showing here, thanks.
9:05:17
